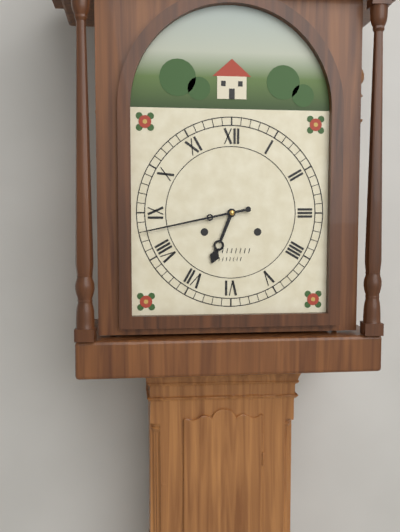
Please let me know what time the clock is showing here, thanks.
6:43
